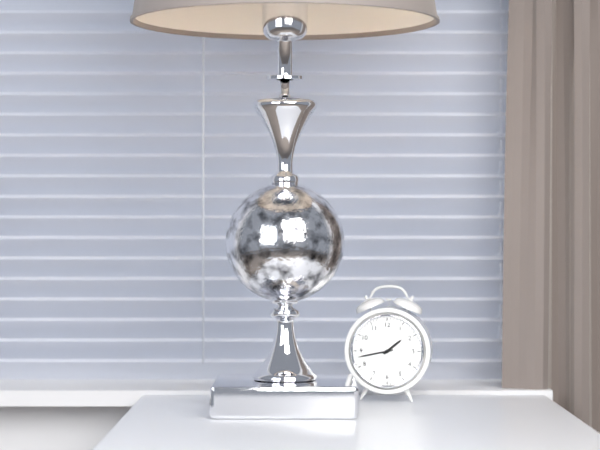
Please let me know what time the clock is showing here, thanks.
1:43
